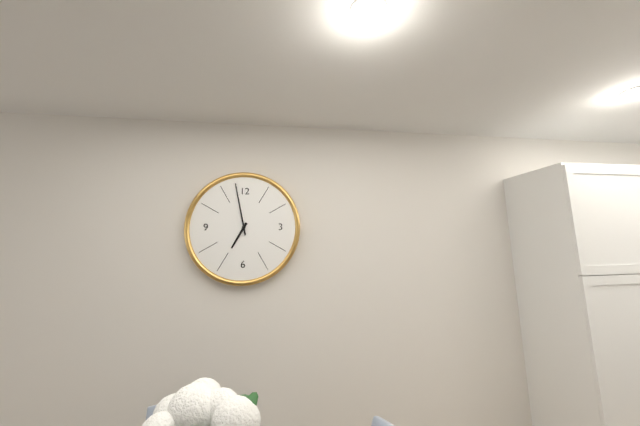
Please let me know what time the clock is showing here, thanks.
6:58
